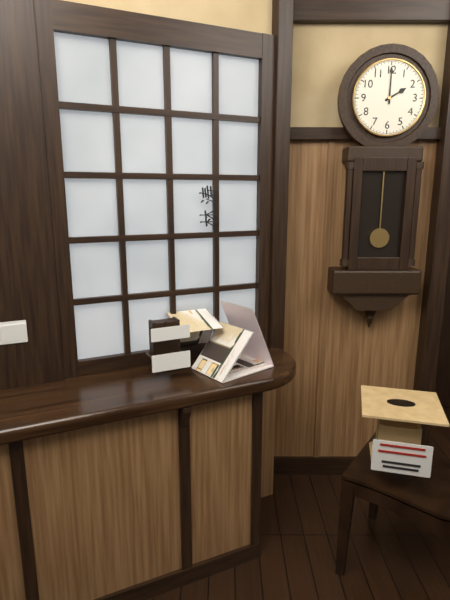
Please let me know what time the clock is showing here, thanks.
2:00
